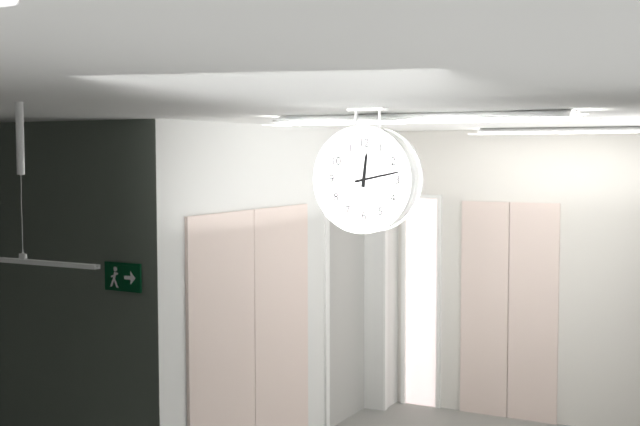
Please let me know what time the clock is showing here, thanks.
12:13
